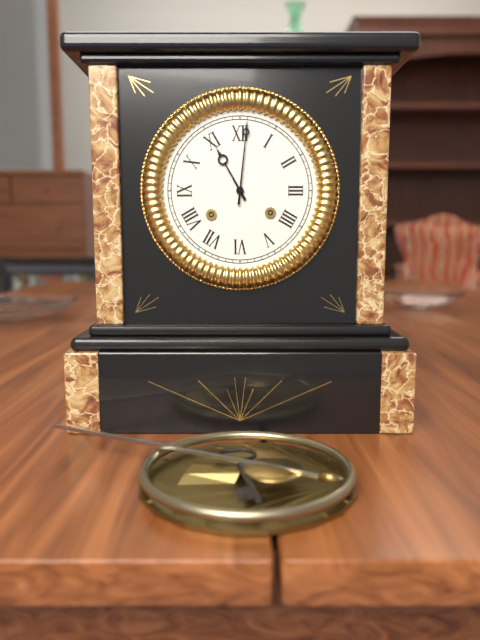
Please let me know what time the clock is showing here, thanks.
11:01
